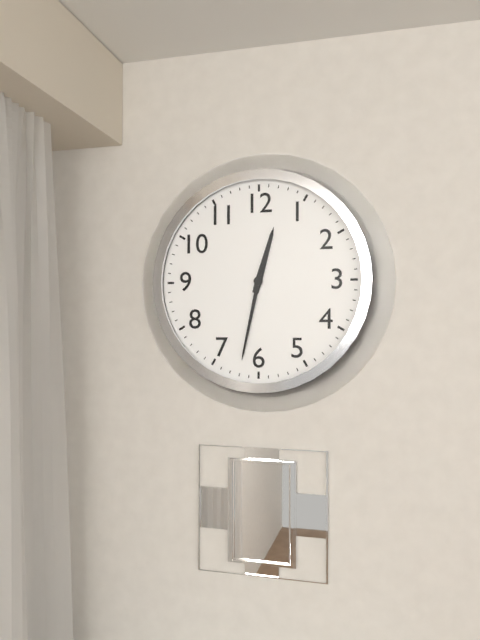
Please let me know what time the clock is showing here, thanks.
12:32
